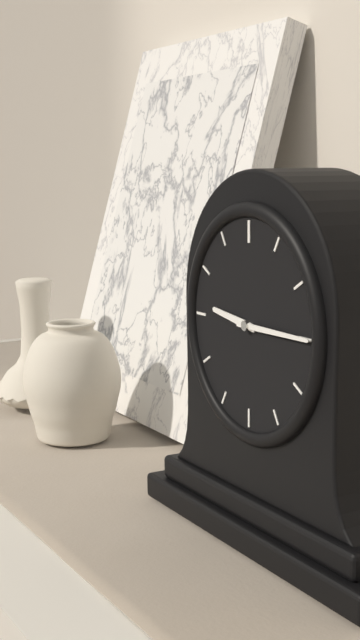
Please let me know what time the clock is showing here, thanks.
9:15
